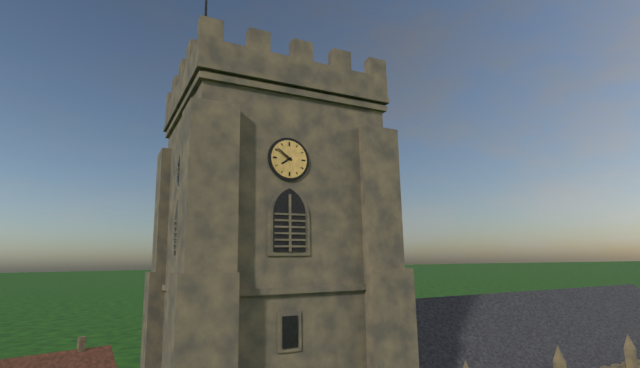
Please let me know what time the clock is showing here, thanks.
7:51
